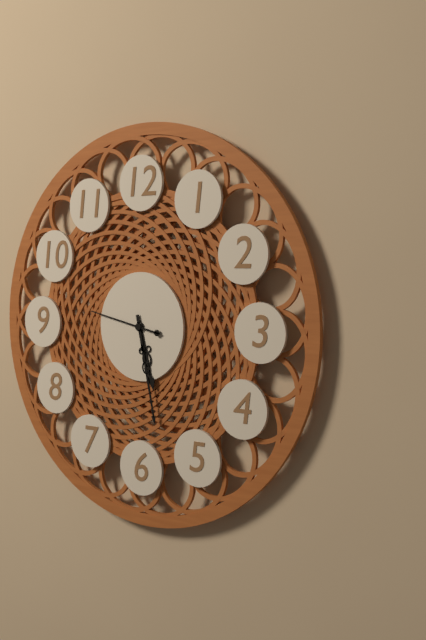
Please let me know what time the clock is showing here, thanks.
5:28:47
